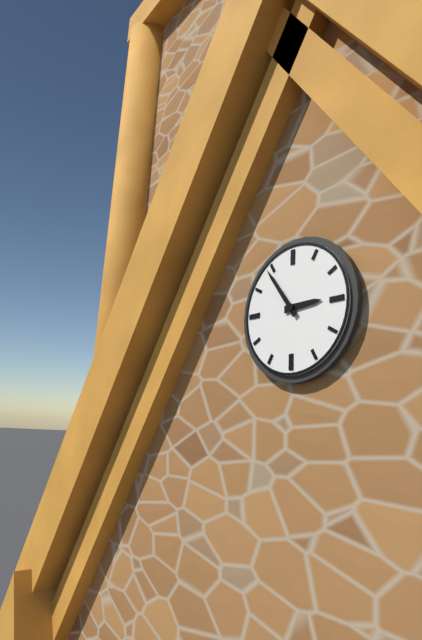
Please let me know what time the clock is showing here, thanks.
2:54
